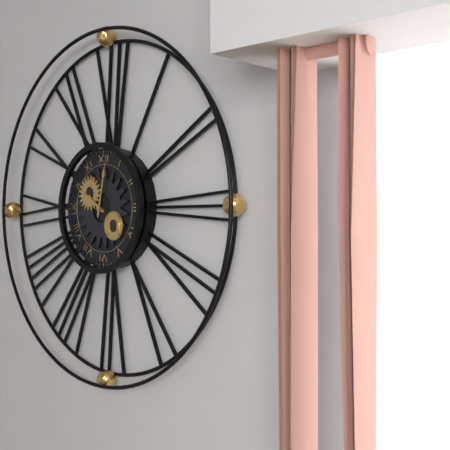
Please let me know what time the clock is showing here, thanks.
10:02
